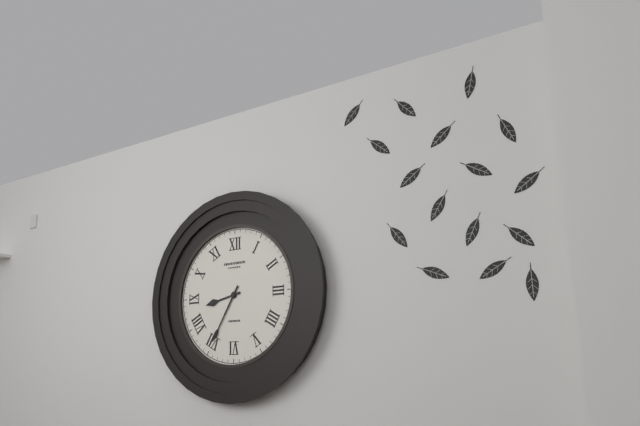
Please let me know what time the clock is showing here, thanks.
8:35
